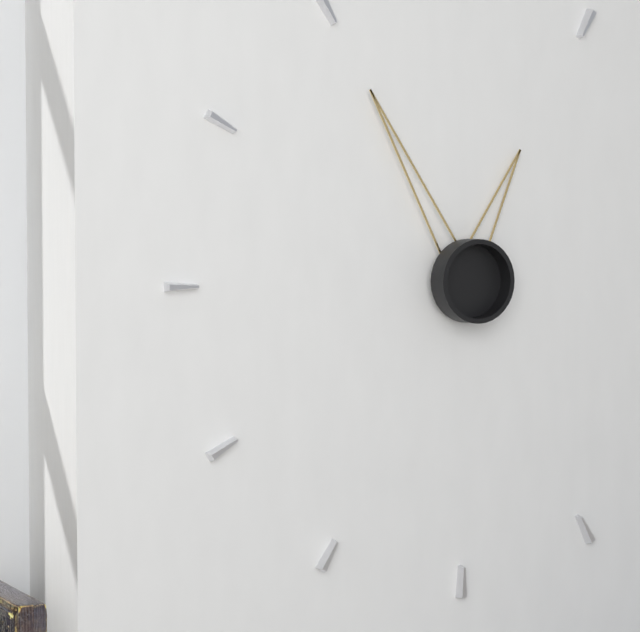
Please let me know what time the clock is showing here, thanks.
12:55
